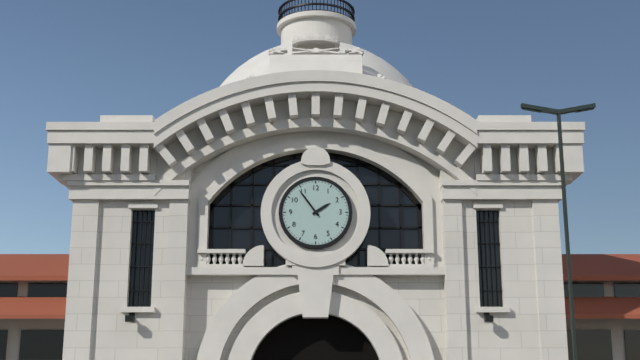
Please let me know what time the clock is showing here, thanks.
1:54
